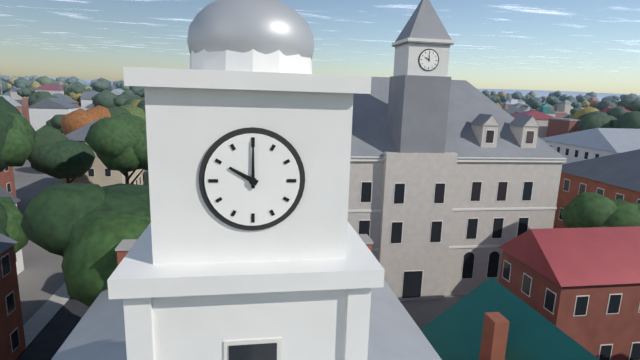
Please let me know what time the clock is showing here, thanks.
10:00
